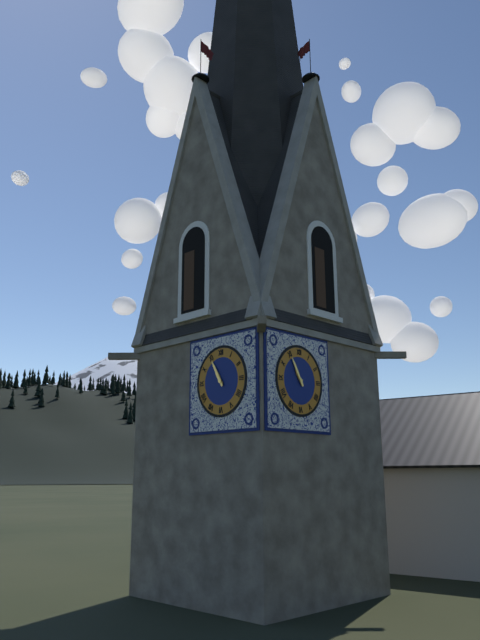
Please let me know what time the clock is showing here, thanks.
10:55
